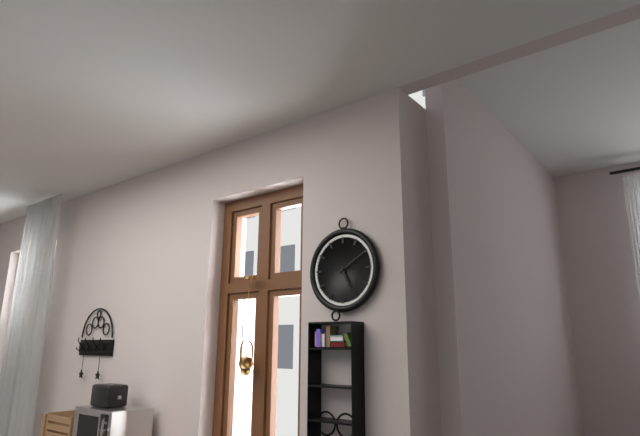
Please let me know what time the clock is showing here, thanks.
5:10
